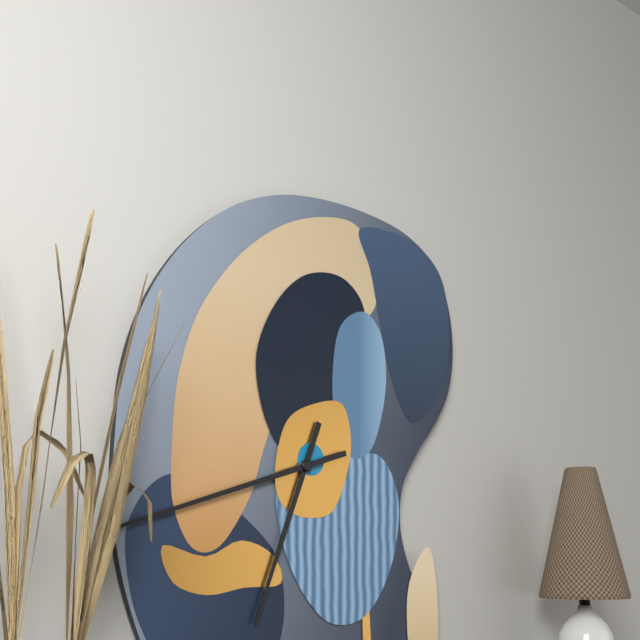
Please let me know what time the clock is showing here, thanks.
6:42
